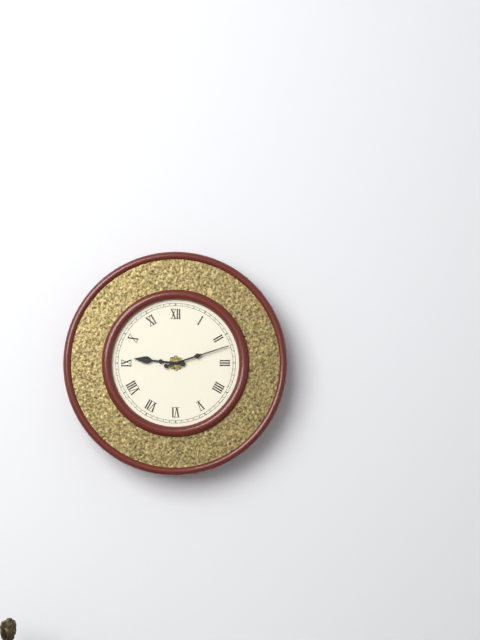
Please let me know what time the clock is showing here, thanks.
9:12
